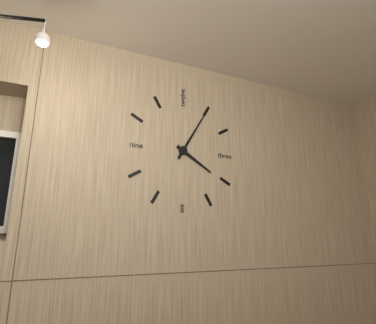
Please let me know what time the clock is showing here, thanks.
4:05
